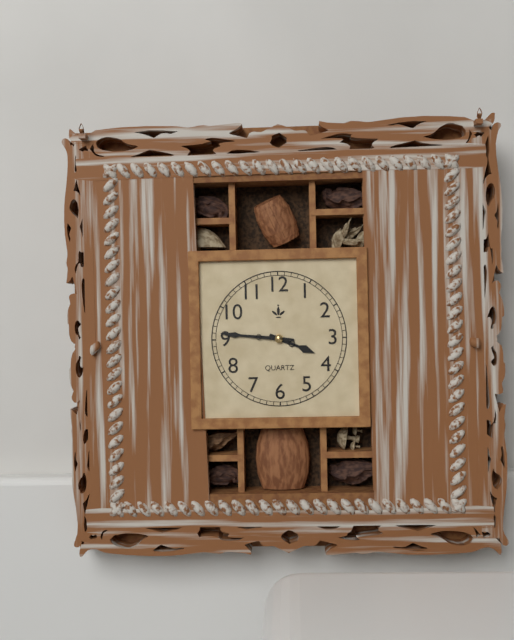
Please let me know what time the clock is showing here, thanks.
3:46
